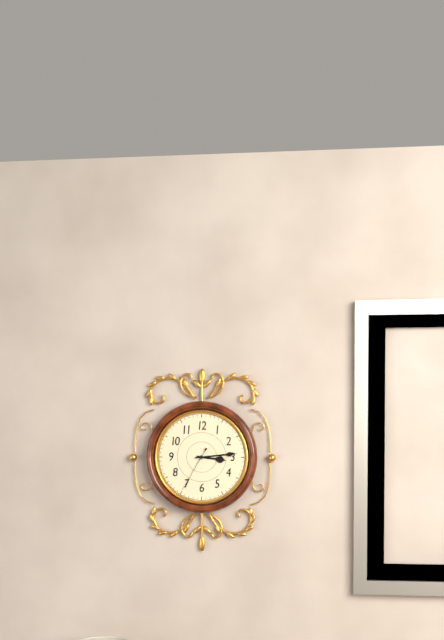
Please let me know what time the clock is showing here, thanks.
3:14
